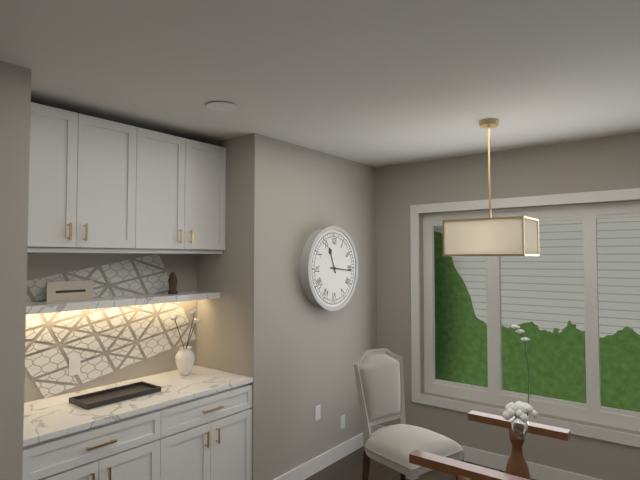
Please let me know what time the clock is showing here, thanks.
11:16
